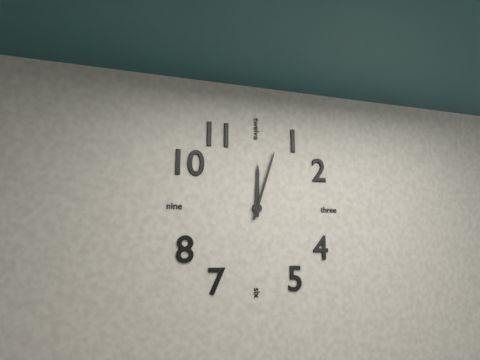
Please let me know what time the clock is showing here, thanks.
12:03
